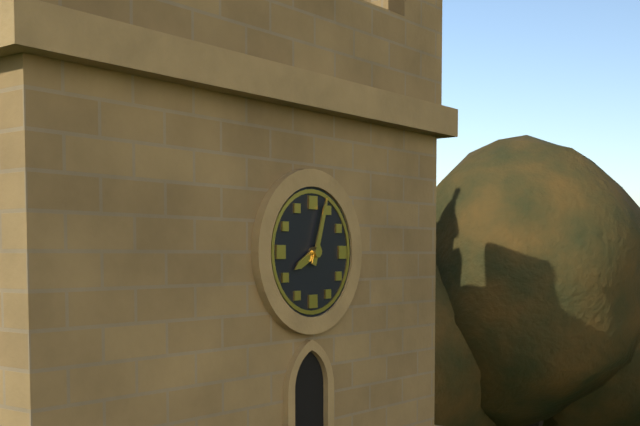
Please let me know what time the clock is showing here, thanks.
8:03
